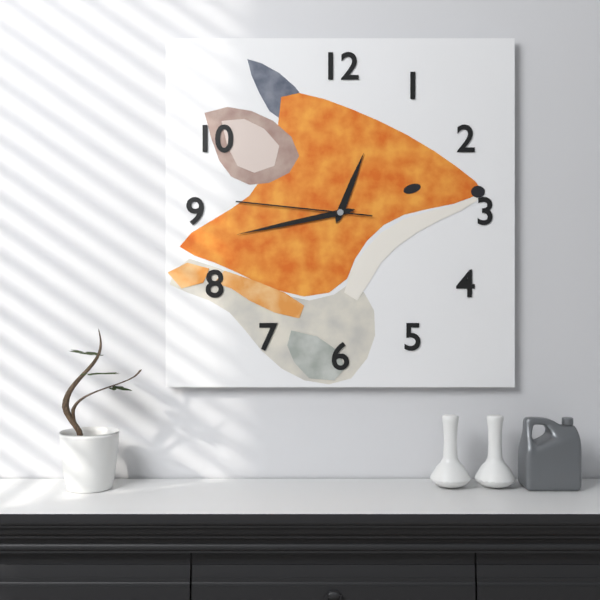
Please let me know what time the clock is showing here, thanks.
12:43:46
